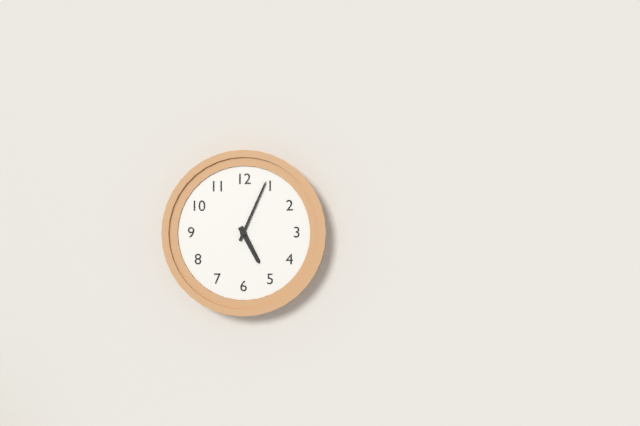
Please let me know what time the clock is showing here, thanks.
5:04
